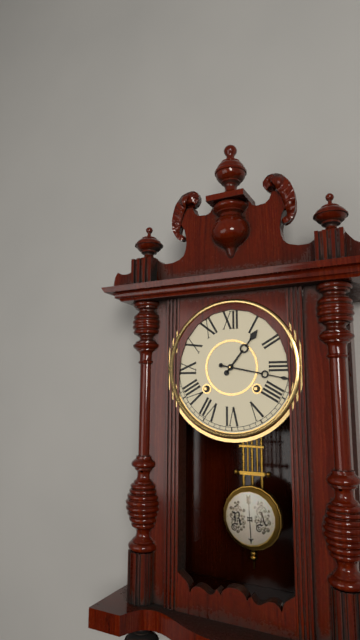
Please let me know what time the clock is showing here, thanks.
1:17
